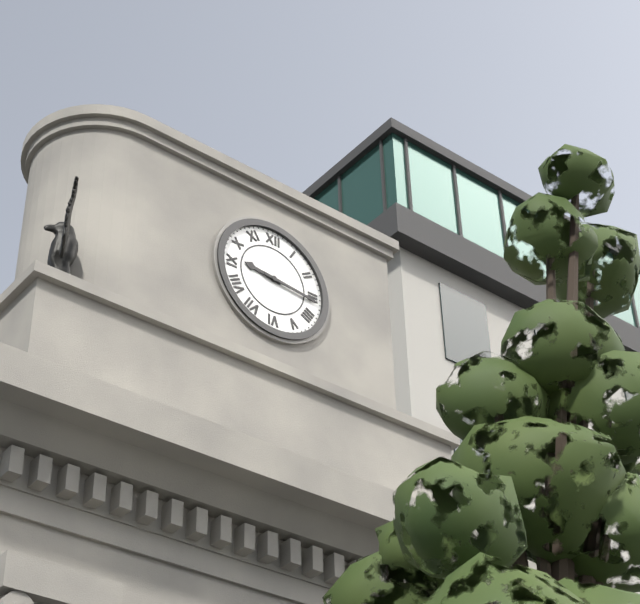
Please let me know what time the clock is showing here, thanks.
9:16
